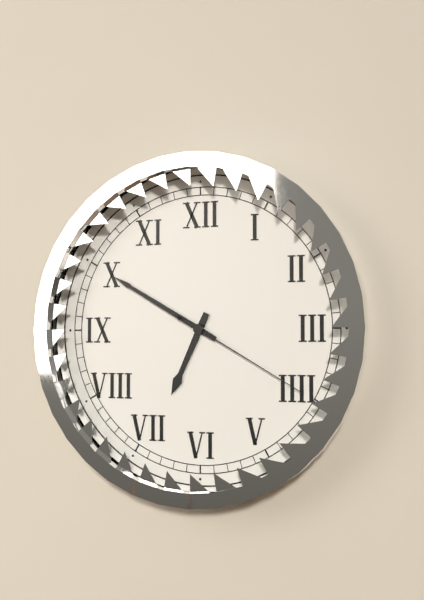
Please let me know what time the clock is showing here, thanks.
6:50:20
